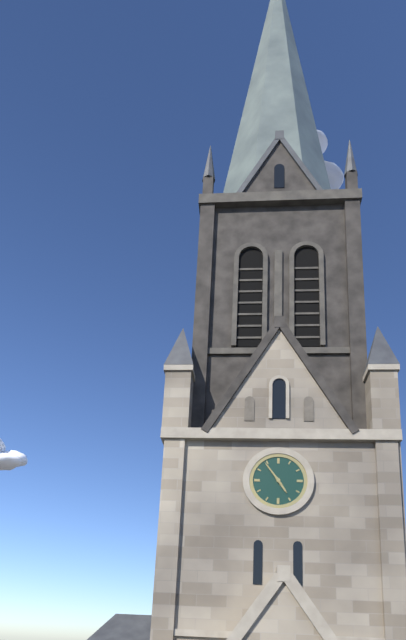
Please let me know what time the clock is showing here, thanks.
4:54
